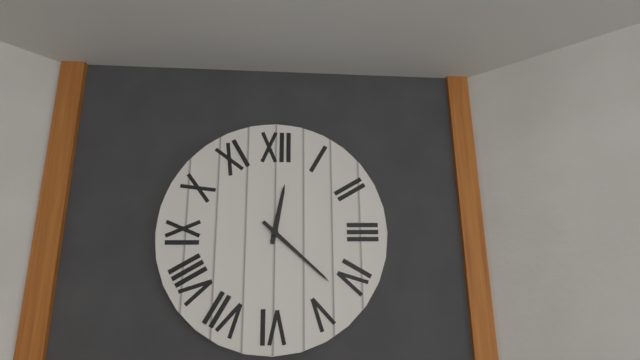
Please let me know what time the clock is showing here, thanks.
12:22
